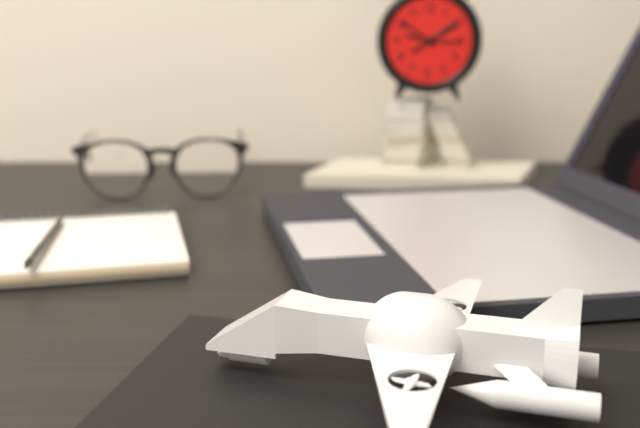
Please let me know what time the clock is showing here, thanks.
7:51
